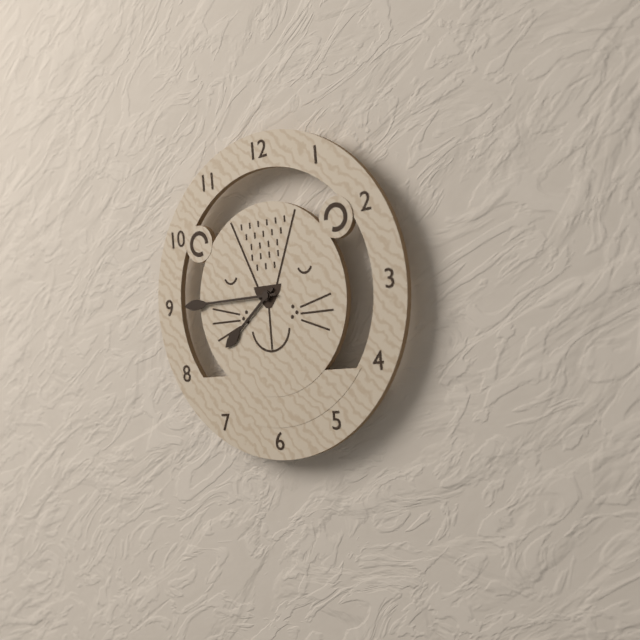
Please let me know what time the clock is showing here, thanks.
7:45
